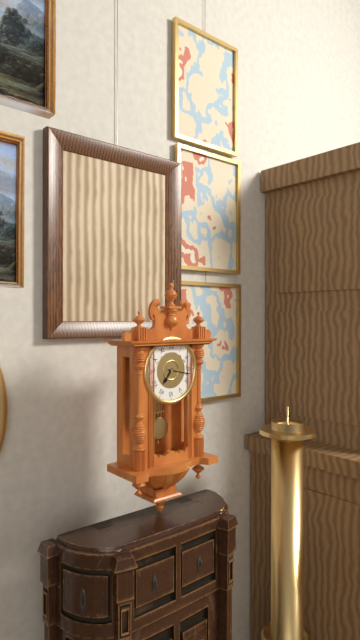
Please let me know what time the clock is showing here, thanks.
7:17
